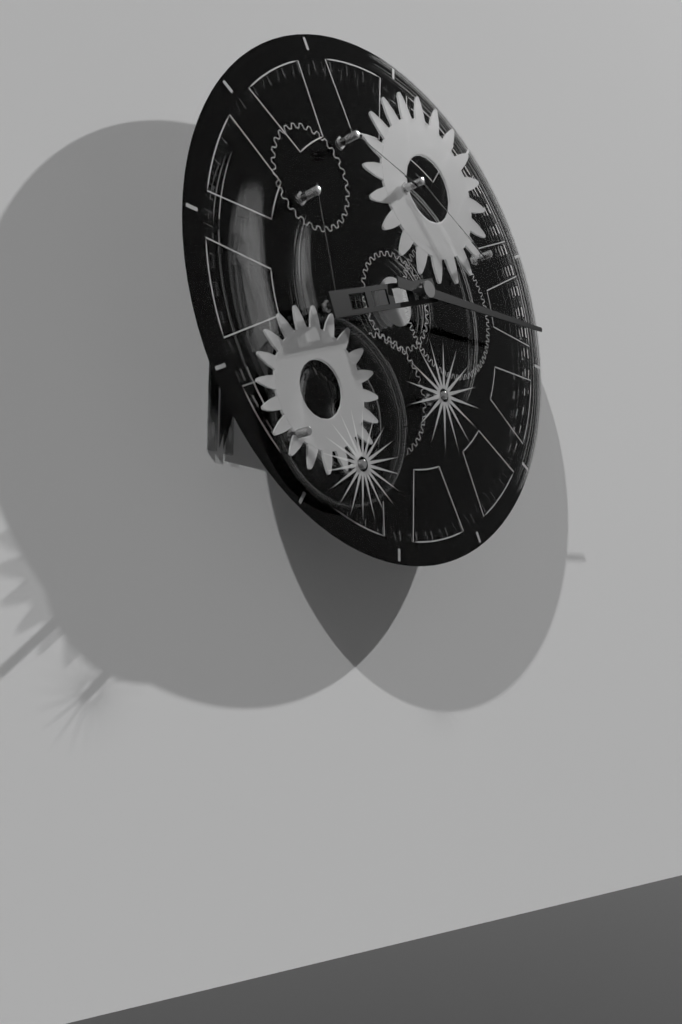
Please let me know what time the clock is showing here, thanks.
8:14
